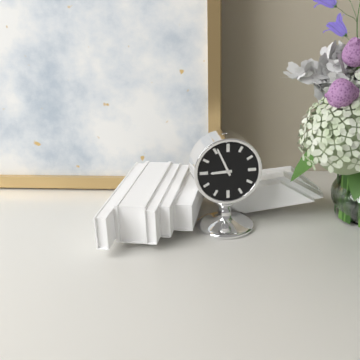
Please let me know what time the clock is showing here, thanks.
8:56
